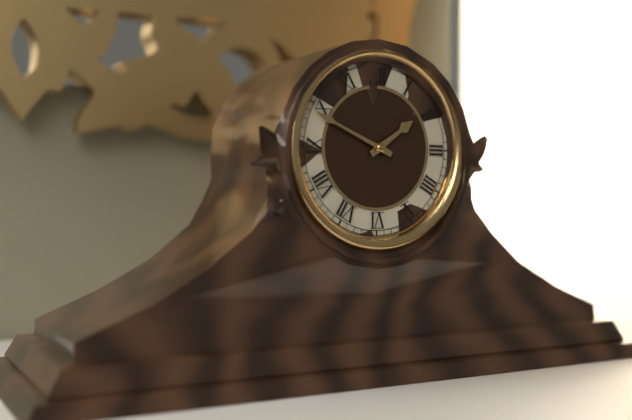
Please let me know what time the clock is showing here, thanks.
1:49
